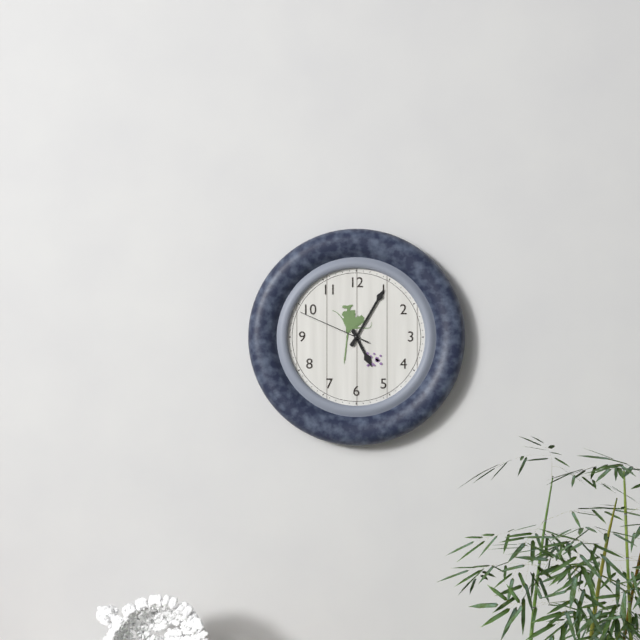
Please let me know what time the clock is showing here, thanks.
5:05:49
